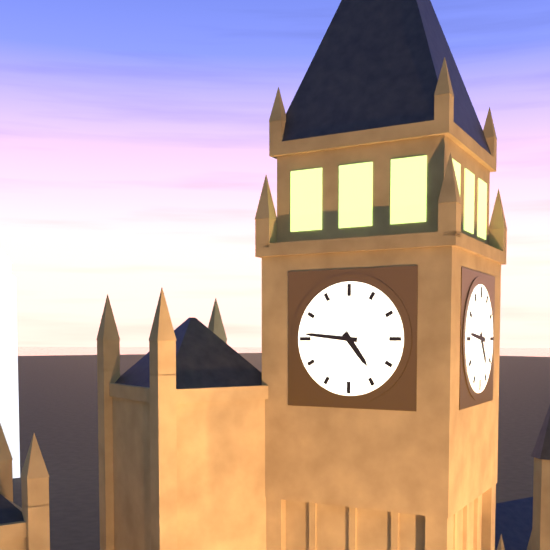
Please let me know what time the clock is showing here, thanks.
4:46
